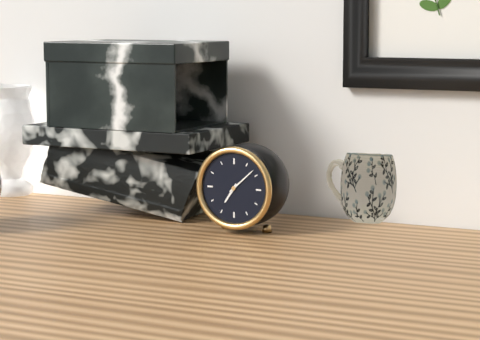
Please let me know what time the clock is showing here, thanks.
7:08
